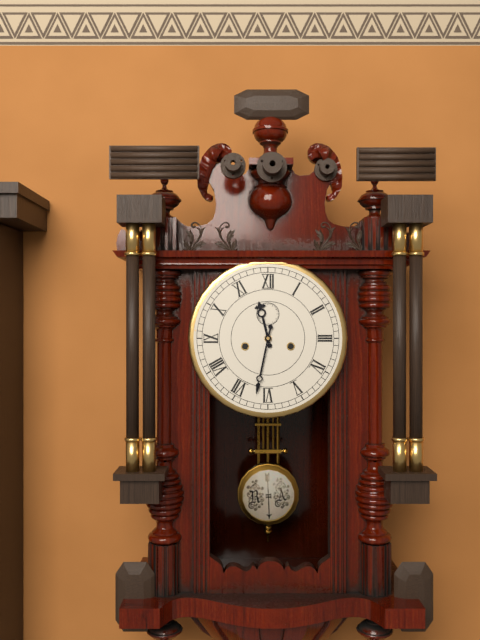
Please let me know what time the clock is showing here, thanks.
11:32
